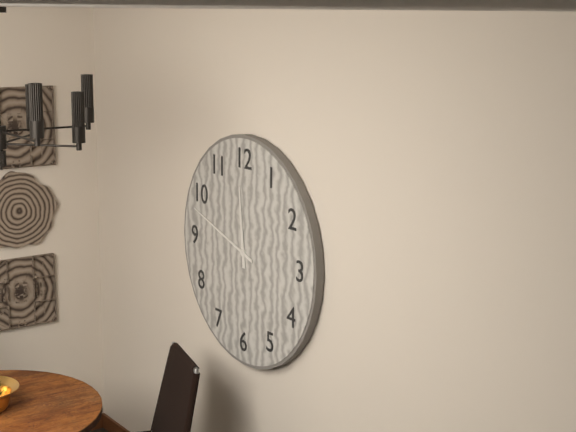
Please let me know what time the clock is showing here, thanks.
11:48
